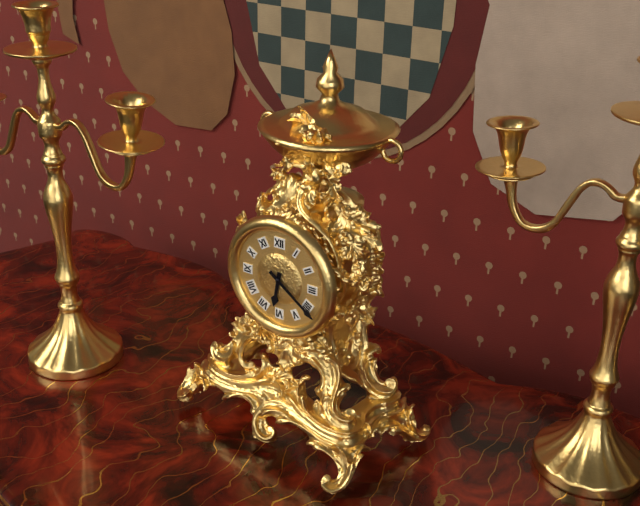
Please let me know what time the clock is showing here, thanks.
6:21
